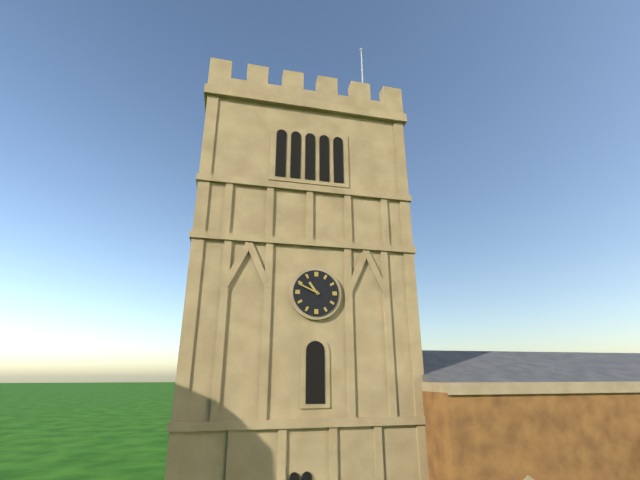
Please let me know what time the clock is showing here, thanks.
10:49
